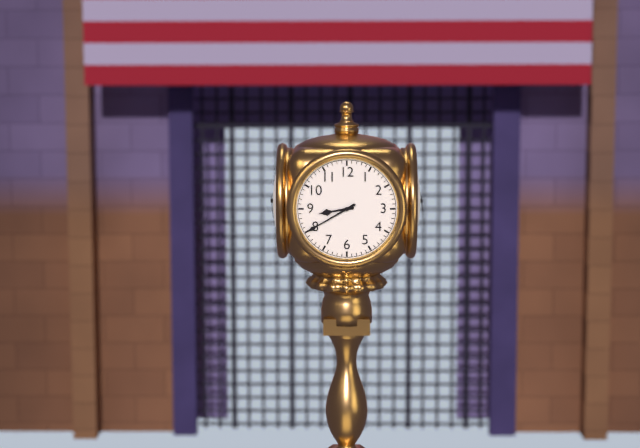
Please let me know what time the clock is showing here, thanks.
8:40
